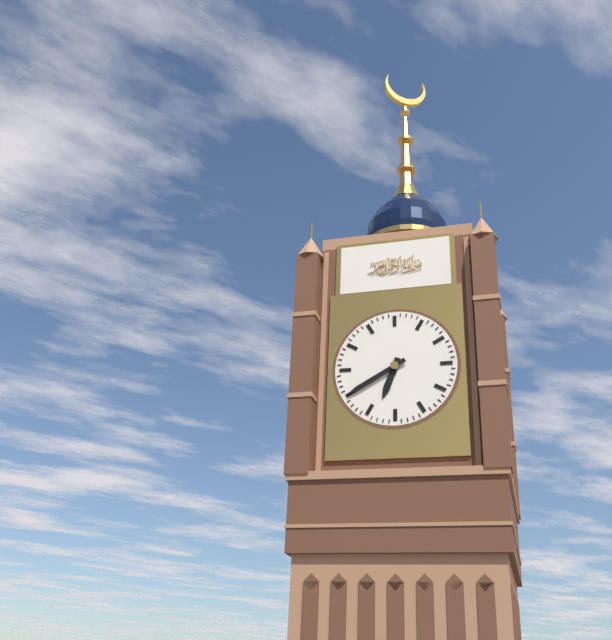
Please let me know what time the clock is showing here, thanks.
6:40
